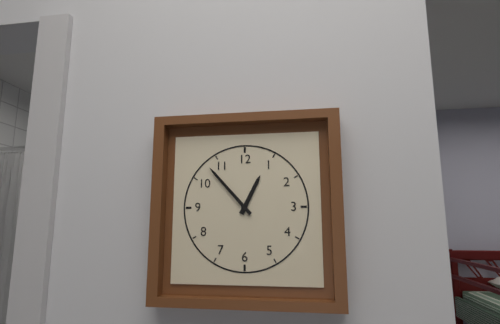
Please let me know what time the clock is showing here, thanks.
12:53
